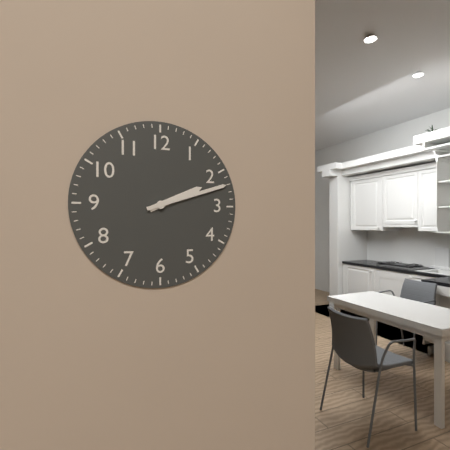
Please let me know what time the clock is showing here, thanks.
2:12
